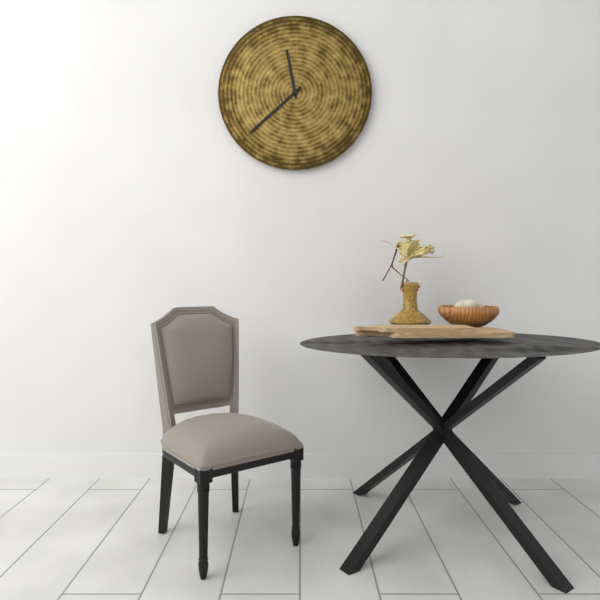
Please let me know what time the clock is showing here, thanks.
11:38
